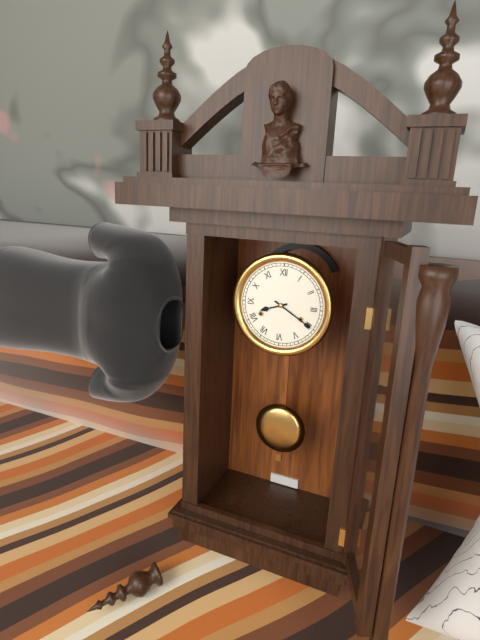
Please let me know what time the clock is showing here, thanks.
8:20
